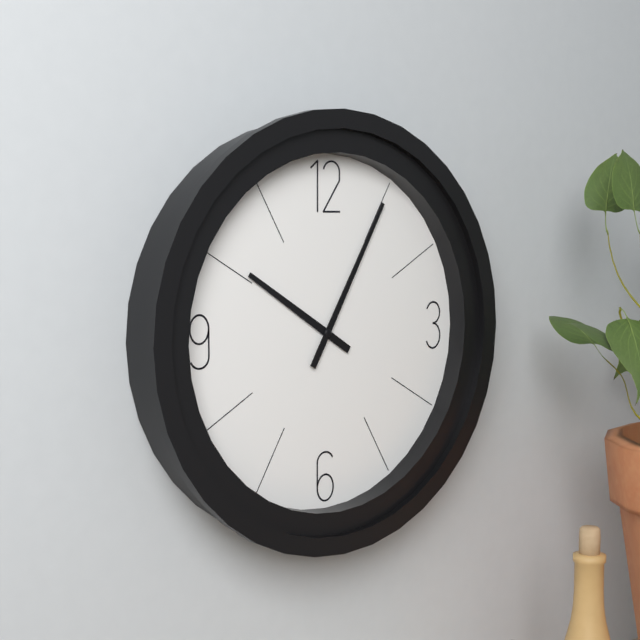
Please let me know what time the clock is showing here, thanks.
10:05
